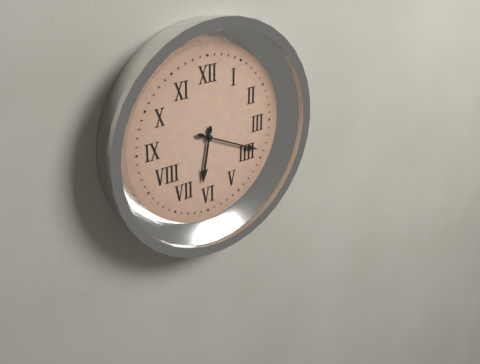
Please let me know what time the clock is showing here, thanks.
6:19
